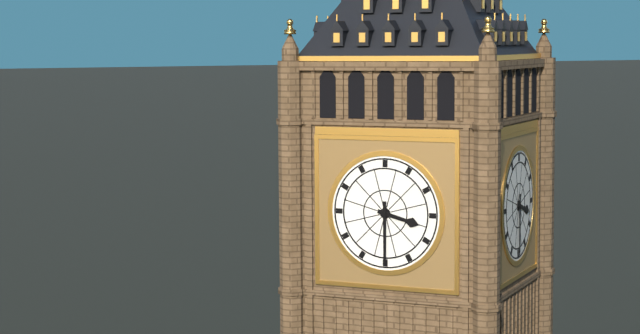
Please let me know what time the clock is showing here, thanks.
3:30
